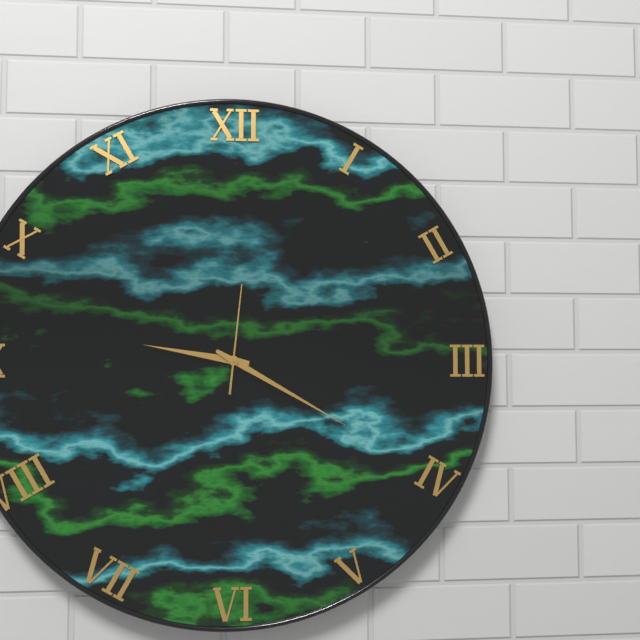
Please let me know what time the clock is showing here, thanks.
9:20:01
